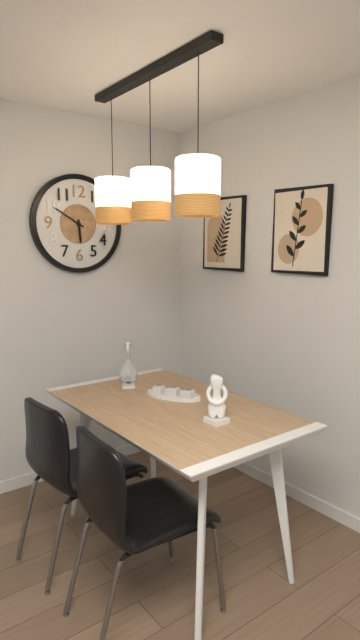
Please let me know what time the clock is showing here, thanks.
5:50
